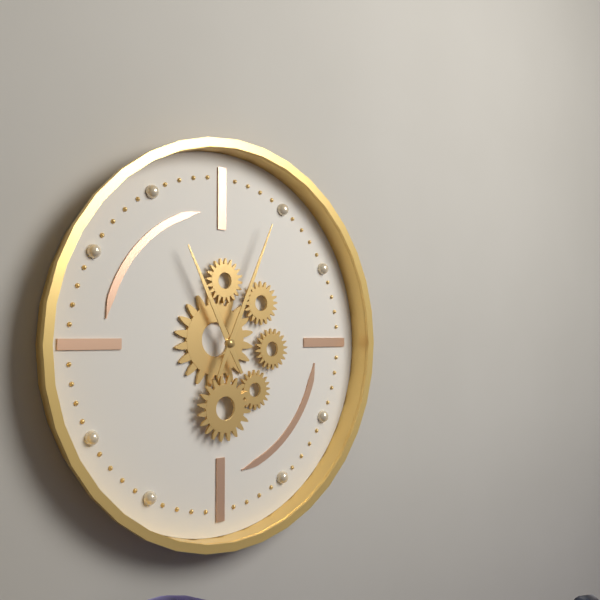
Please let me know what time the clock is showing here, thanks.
11:04
